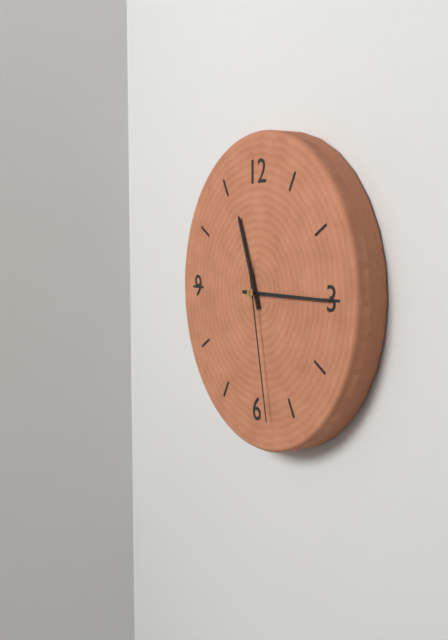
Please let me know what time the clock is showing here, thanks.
11:15:28
